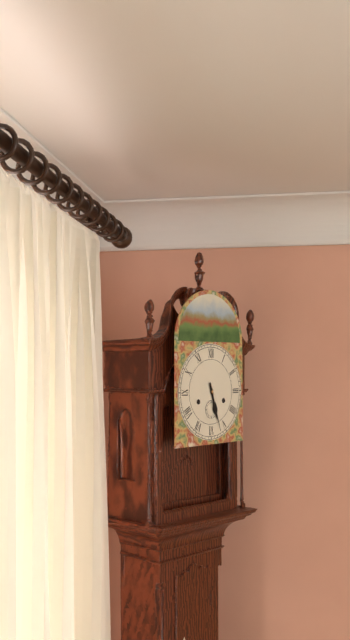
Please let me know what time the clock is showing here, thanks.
5:27
